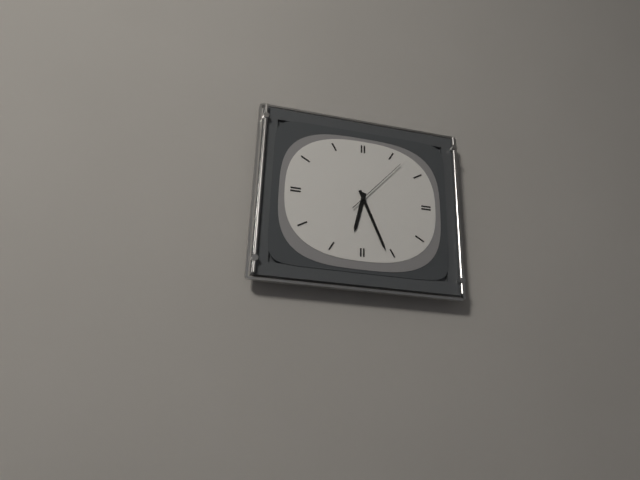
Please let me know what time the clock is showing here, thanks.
6:26:07
